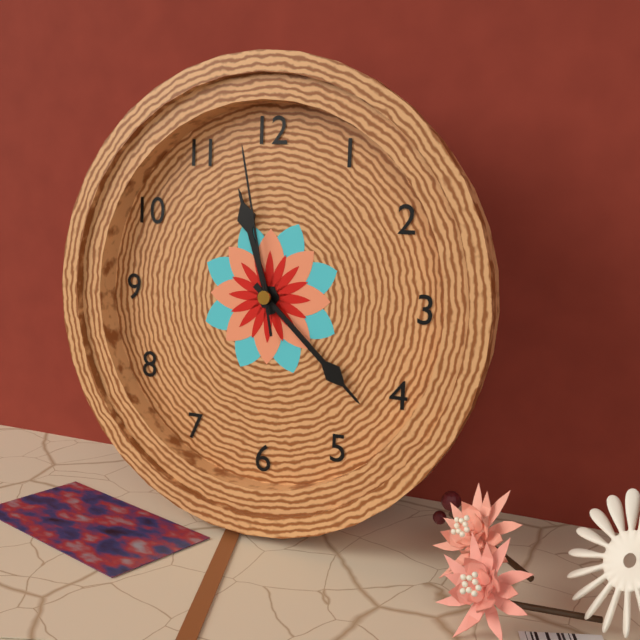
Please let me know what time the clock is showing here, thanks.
11:22:58
